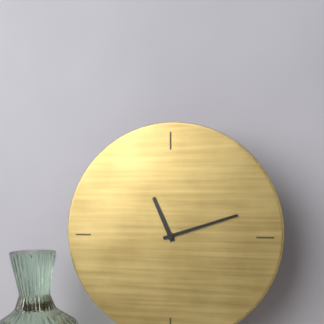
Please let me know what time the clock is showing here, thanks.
11:12
